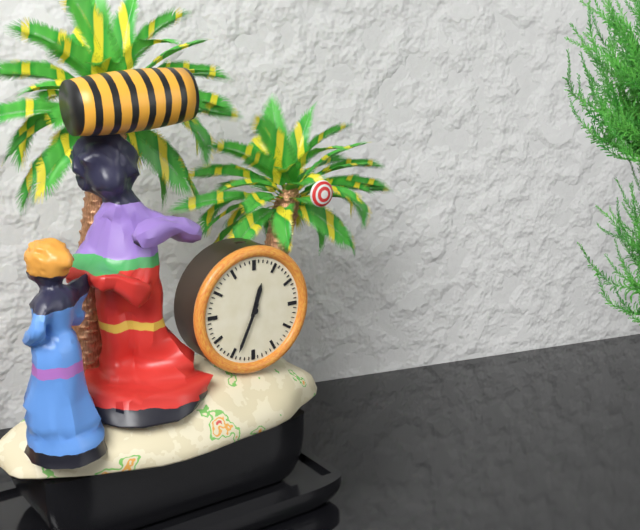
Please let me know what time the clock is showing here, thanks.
12:34
